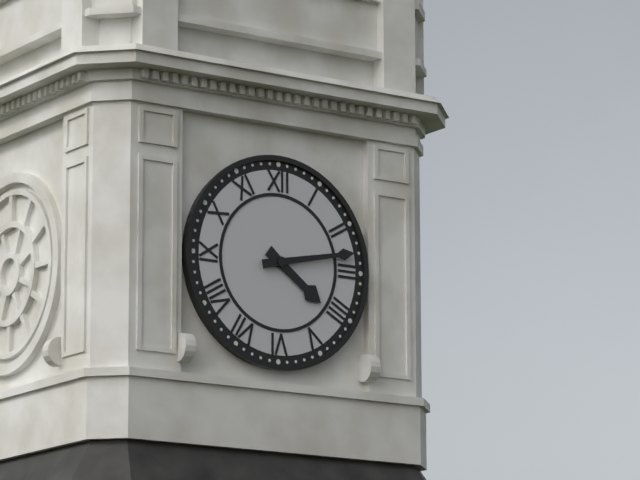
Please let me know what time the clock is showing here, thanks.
4:13
